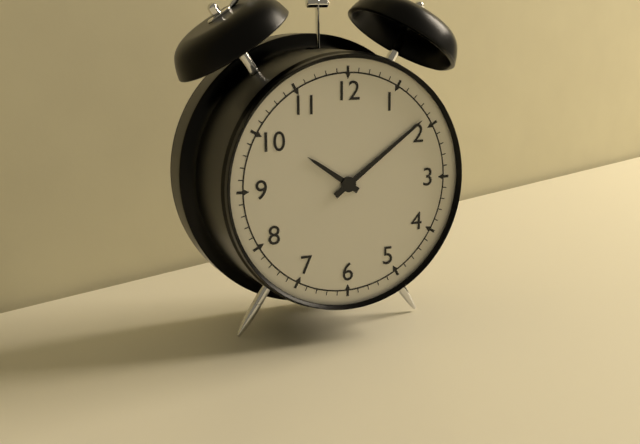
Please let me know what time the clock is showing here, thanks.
10:09
